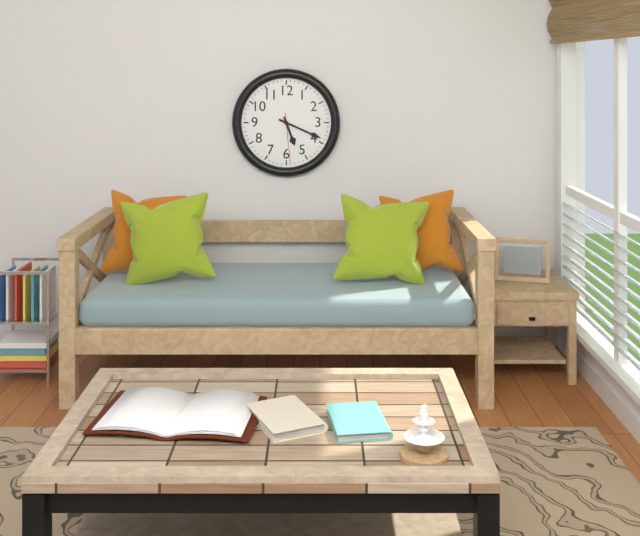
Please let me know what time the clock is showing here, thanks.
5:19:29
